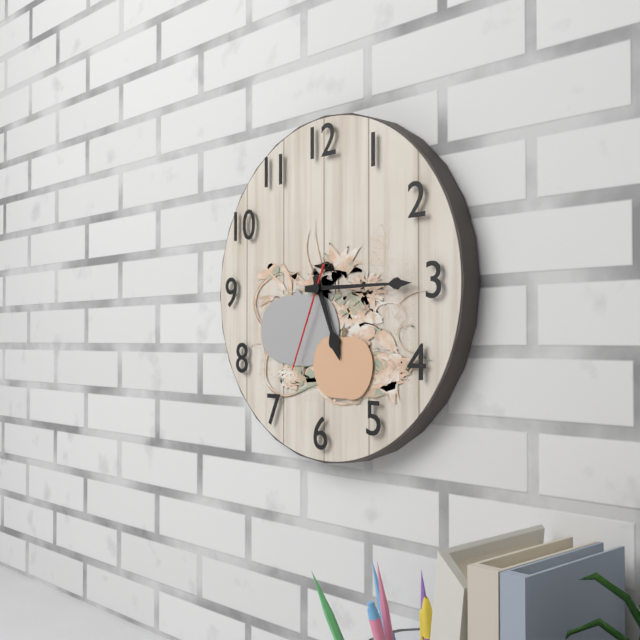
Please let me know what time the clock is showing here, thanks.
5:15:34
